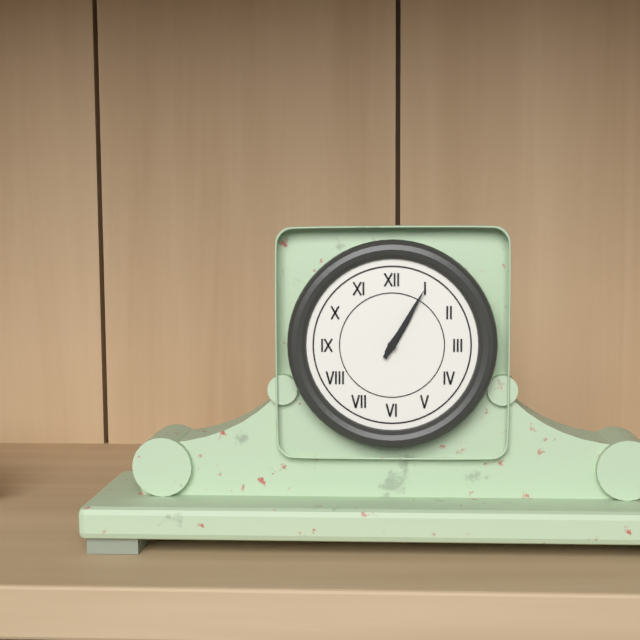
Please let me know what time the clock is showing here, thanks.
1:05
